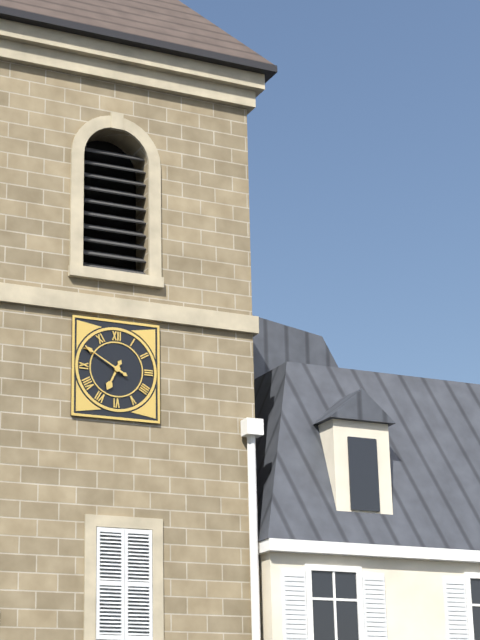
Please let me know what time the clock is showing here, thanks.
6:50
